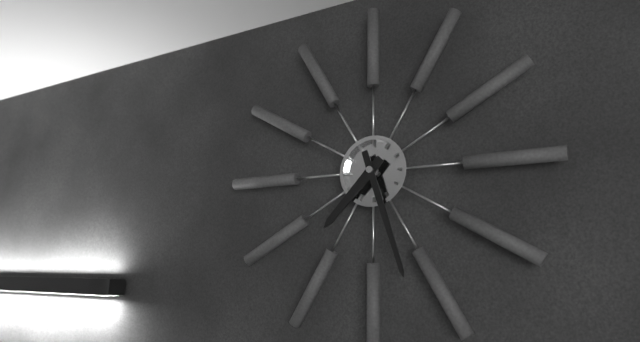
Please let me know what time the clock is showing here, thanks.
7:27
